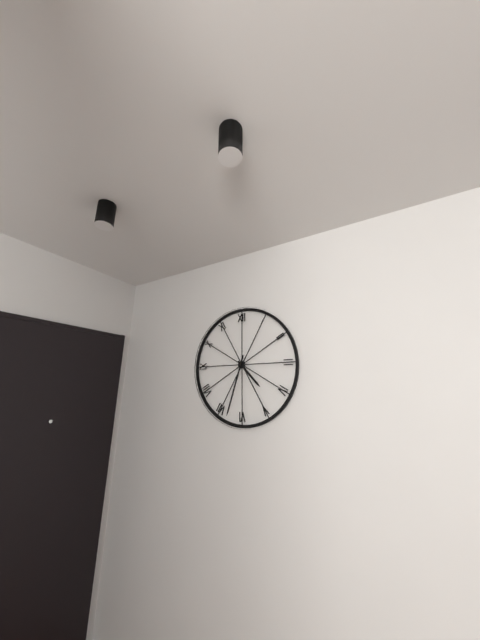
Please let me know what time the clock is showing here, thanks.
4:33
